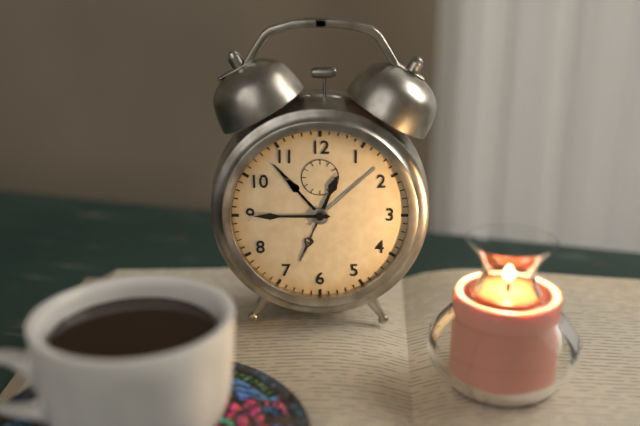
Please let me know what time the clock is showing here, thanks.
12:45
